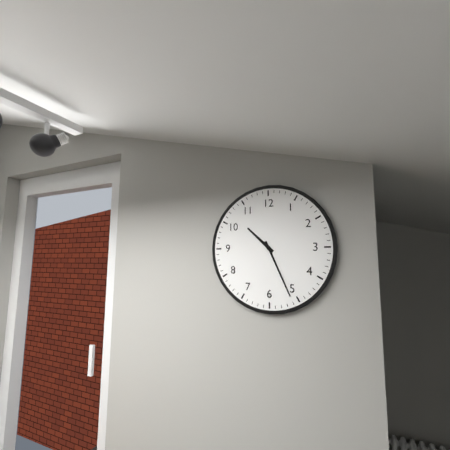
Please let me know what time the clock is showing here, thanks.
10:26
